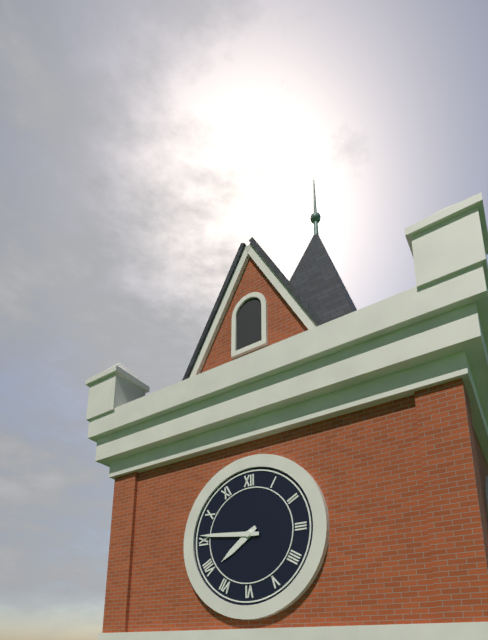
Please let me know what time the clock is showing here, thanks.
7:46
